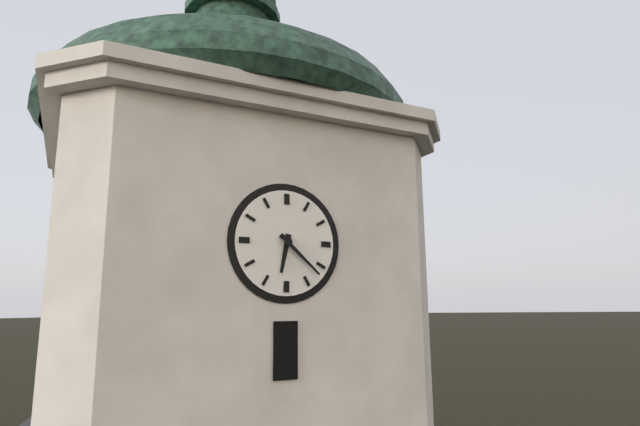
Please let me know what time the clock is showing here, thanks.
6:22
